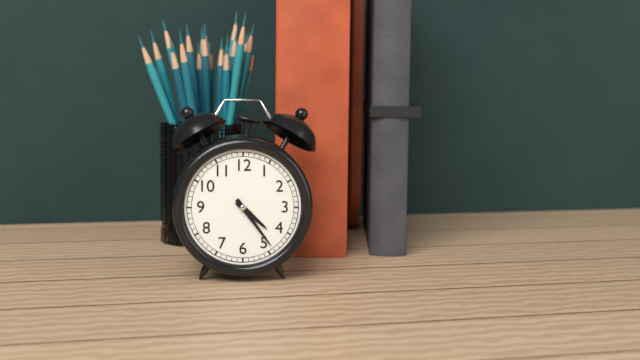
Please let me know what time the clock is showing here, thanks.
4:24
